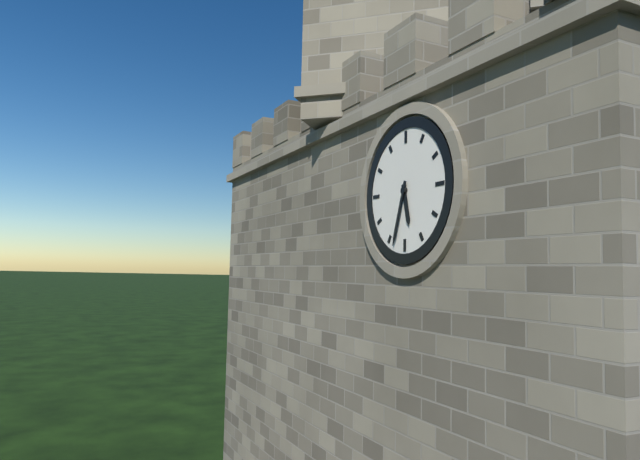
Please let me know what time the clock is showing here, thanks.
5:33
